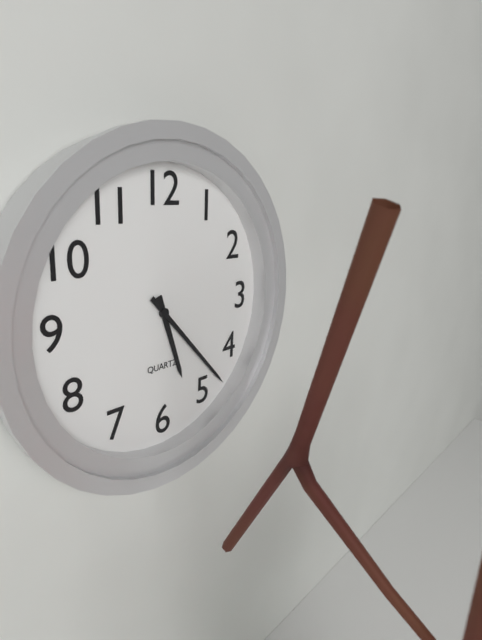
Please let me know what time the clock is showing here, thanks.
5:23
